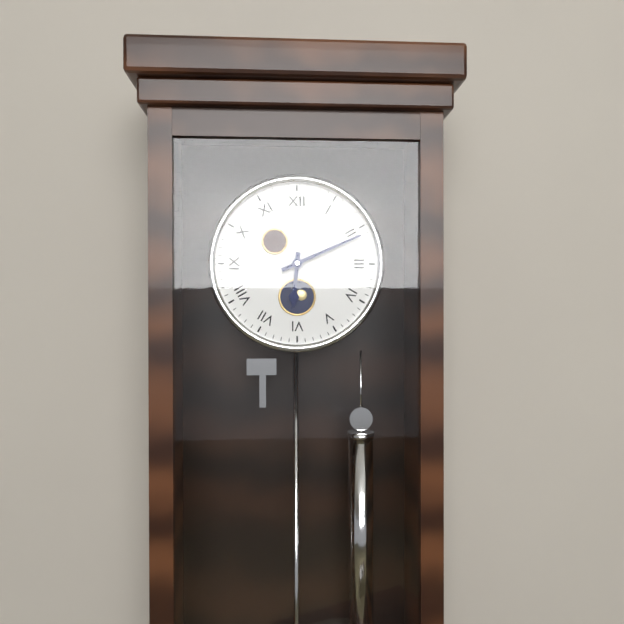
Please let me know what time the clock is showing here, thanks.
6:11
